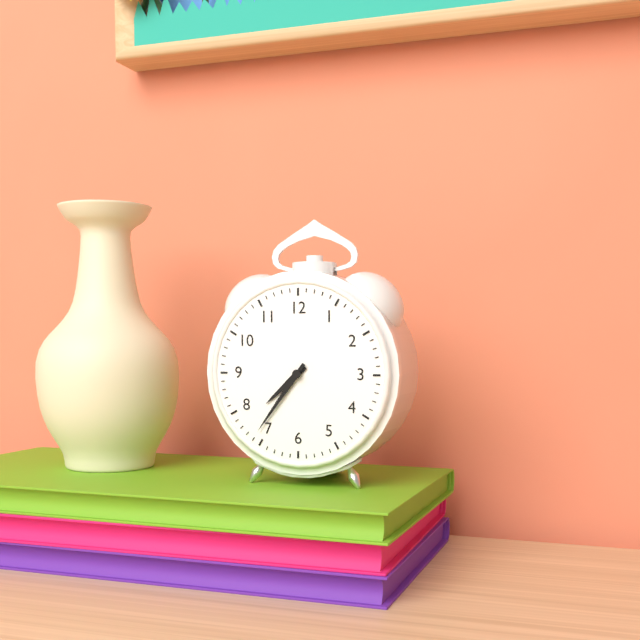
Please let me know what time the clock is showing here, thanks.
7:36
